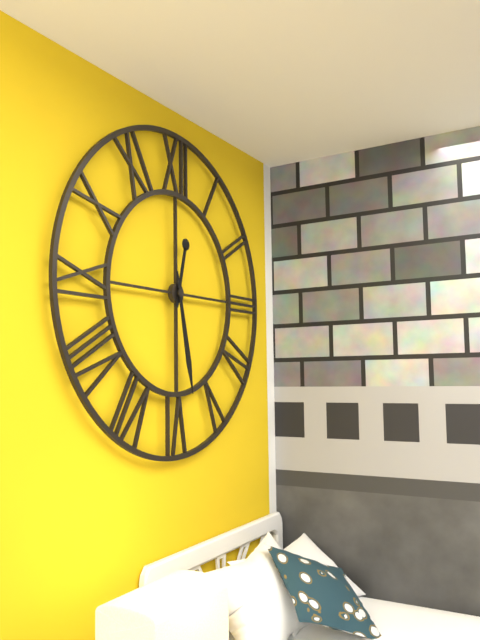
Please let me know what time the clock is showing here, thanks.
12:28
